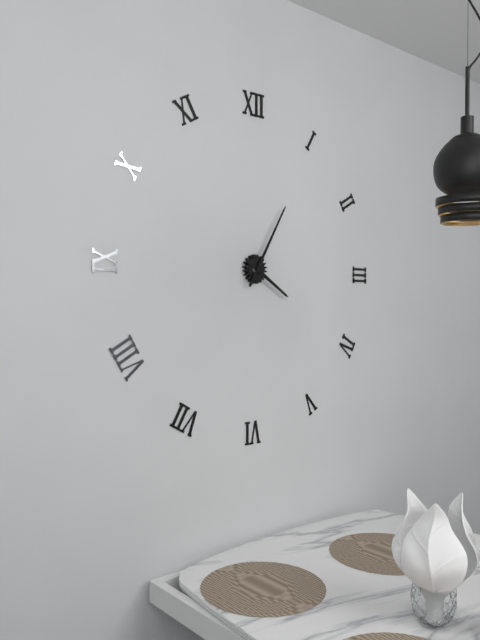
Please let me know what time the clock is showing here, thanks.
4:05
